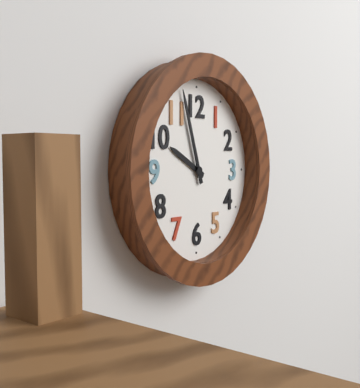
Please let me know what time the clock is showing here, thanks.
9:57
